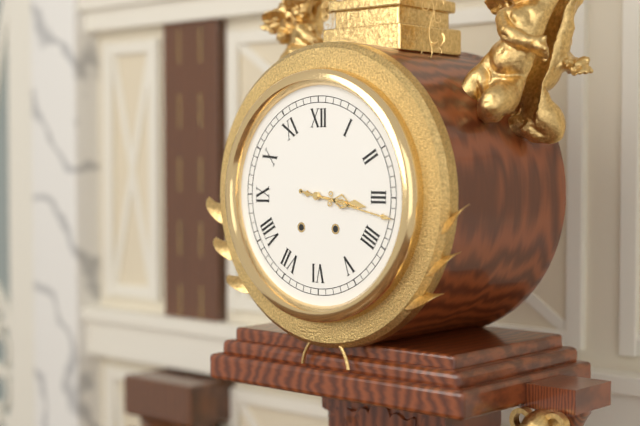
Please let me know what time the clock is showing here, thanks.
3:17
